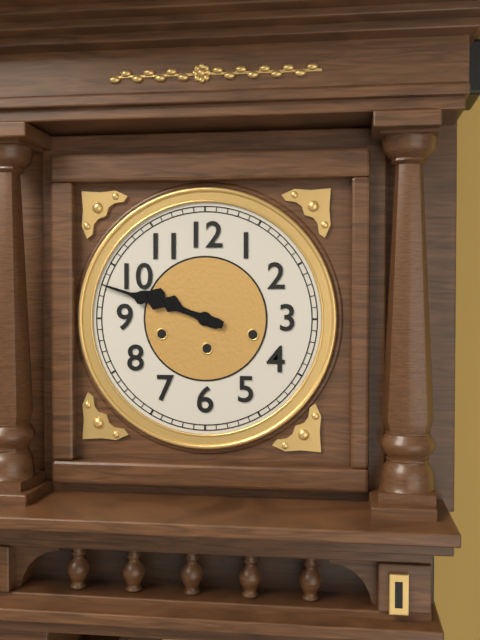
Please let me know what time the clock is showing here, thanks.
9:48
